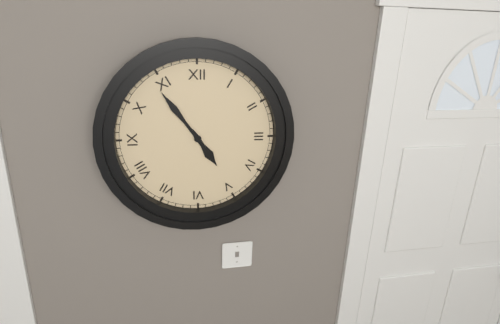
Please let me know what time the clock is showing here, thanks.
4:54
